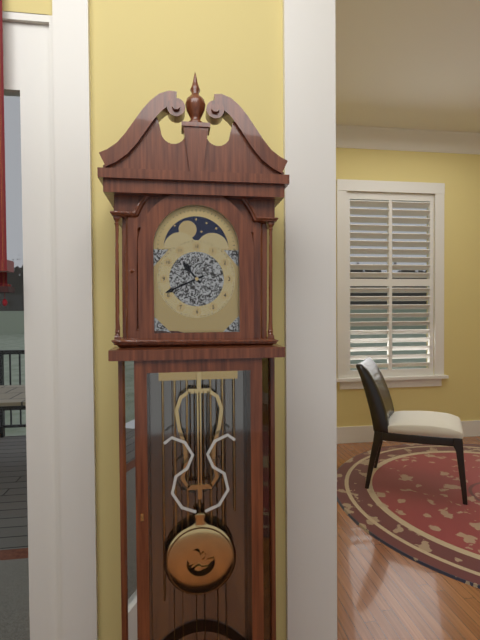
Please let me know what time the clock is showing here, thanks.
10:41
